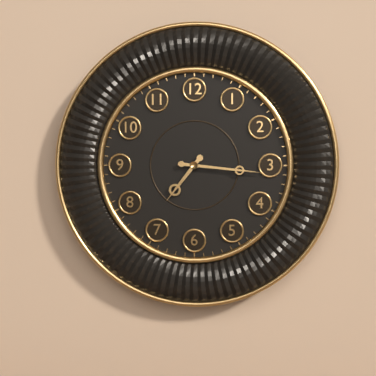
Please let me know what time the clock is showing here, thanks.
7:16
